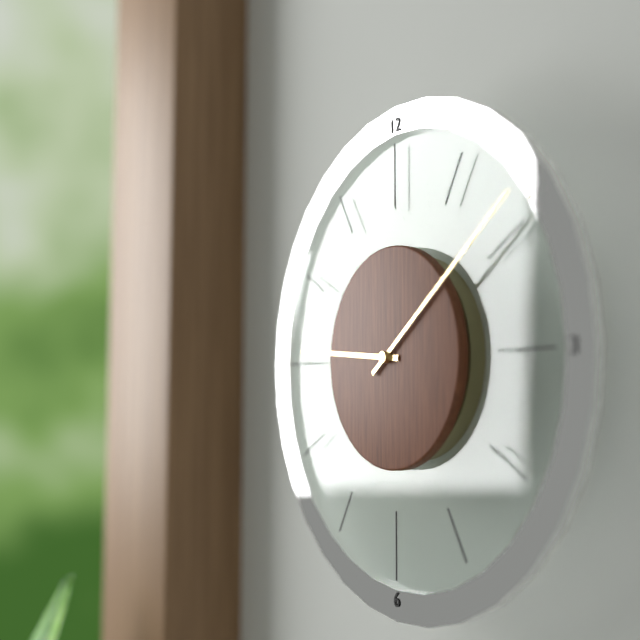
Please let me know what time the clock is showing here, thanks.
9:09
